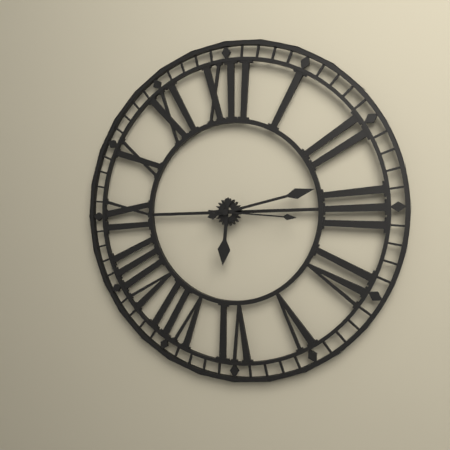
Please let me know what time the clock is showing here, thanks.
6:13:16
